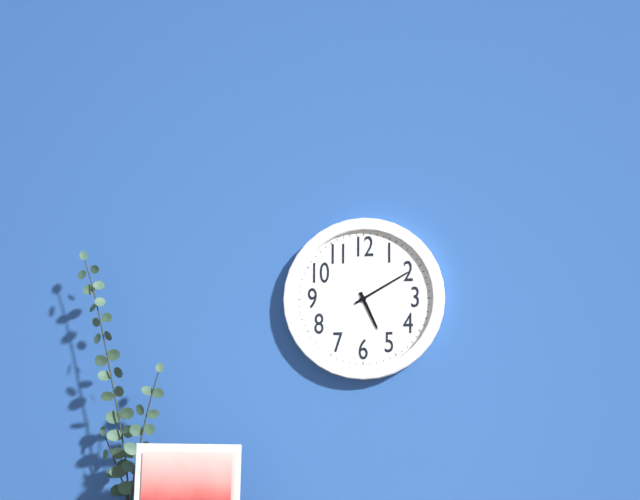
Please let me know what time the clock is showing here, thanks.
5:10
